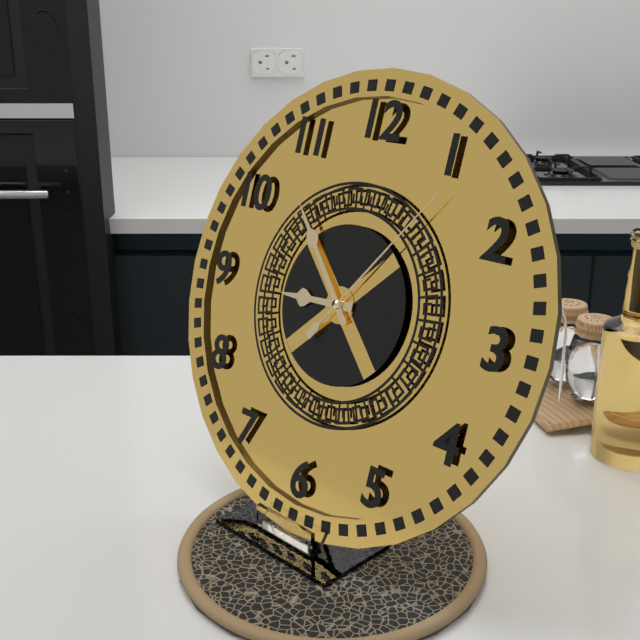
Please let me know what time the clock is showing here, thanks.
8:53:06
